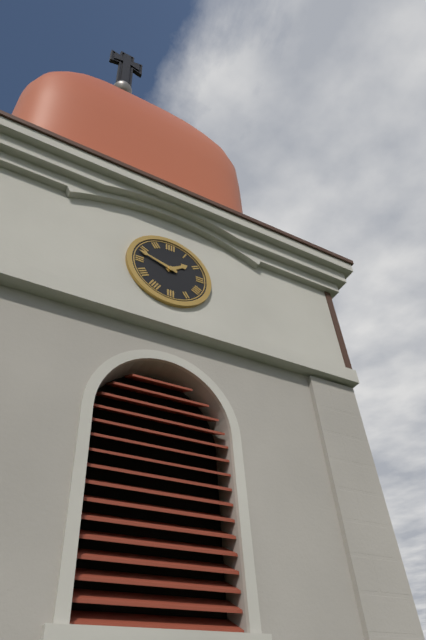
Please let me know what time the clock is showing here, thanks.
1:48
